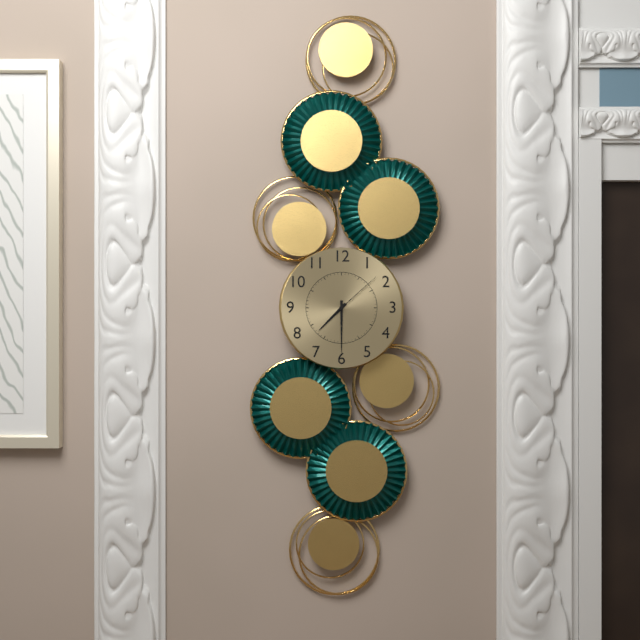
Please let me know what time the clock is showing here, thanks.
7:30:08
